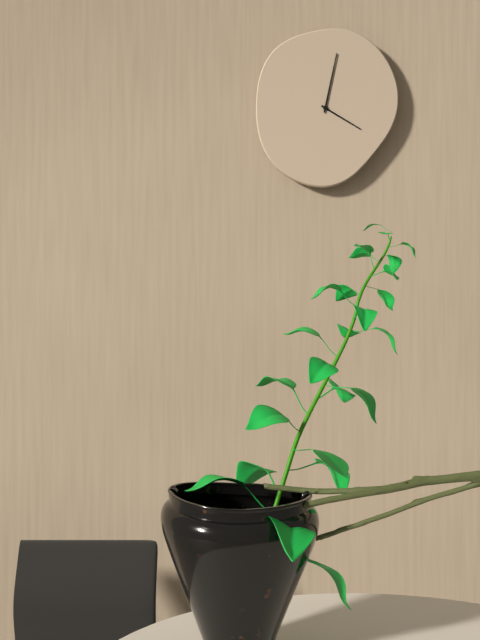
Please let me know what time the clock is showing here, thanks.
4:02
